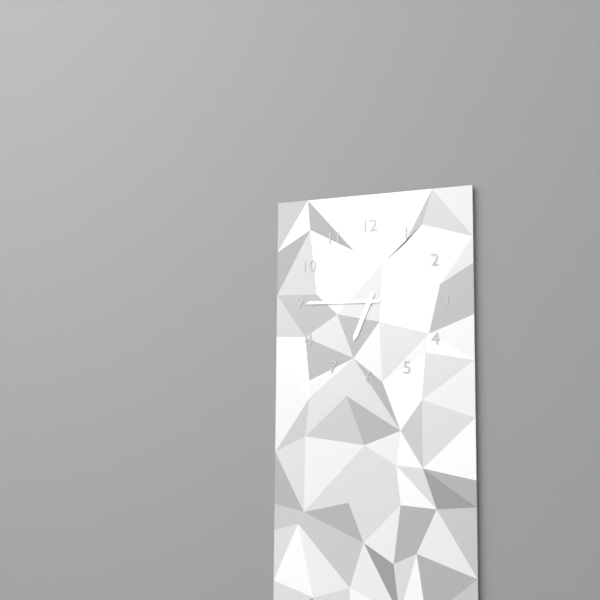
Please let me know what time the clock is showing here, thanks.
6:45
